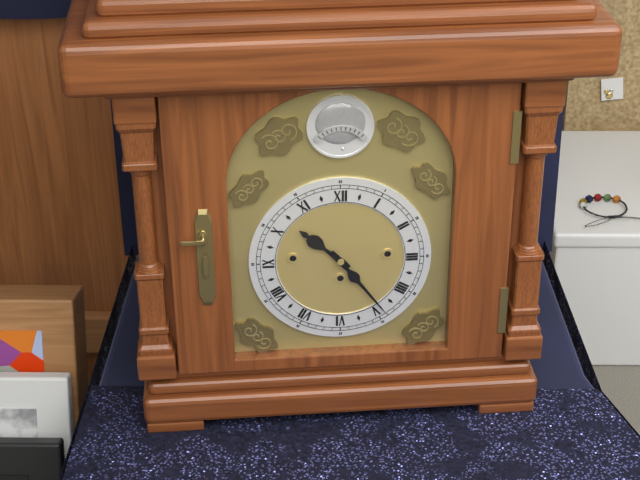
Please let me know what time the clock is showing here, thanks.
10:24
